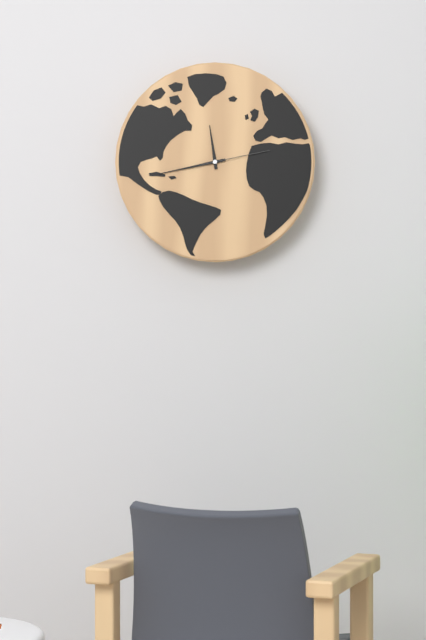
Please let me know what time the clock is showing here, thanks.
11:43:13
